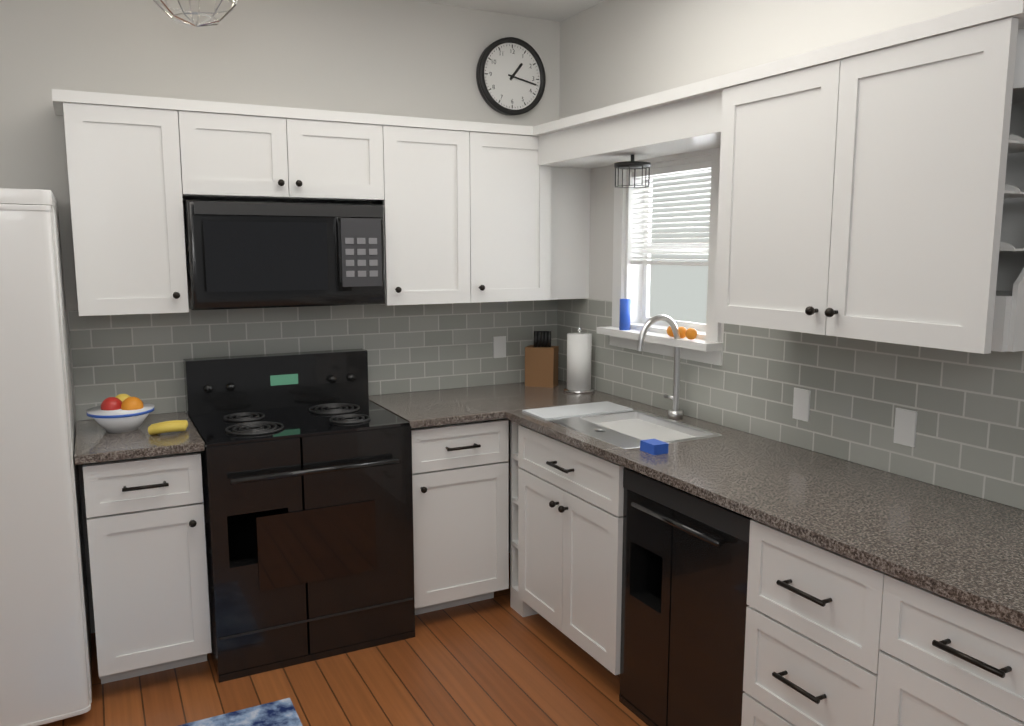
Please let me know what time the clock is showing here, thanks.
1:17
